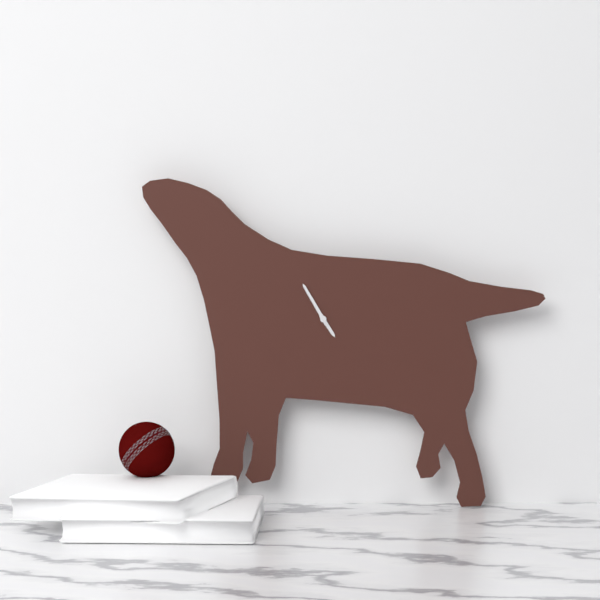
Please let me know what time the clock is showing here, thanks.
4:55
